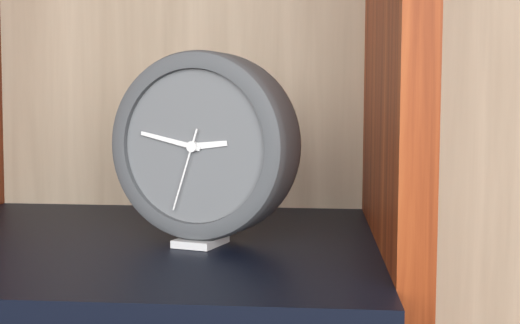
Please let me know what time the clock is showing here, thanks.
2:47:33
